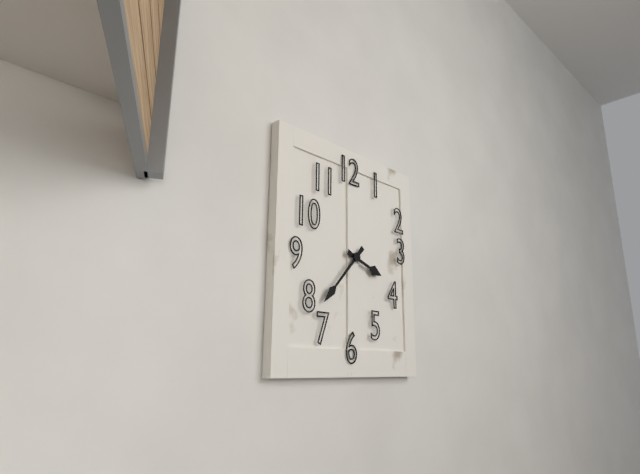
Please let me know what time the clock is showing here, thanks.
3:37
